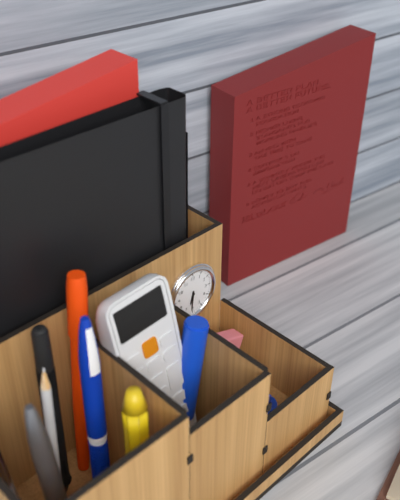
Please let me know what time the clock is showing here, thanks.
6:31
